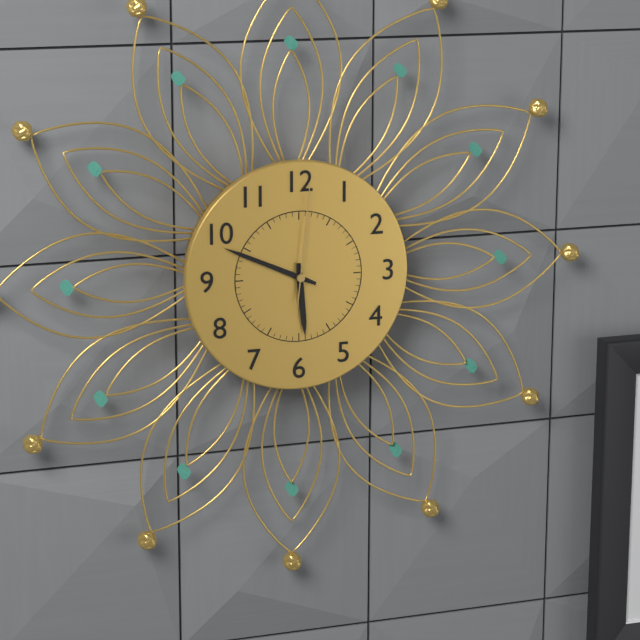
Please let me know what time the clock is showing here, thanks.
5:49:01
